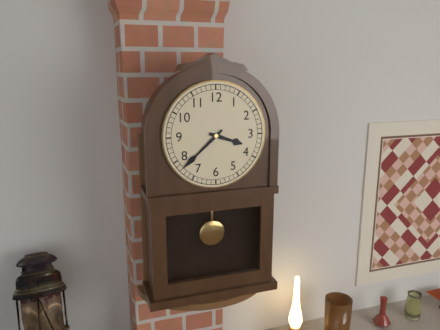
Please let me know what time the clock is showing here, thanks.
3:38
